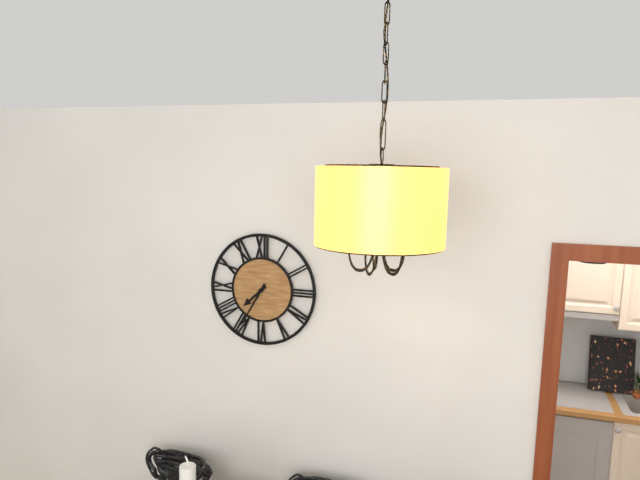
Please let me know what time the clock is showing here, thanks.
7:35
